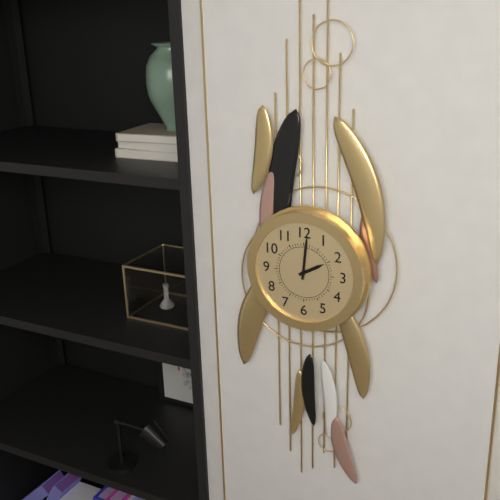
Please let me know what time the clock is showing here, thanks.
2:01
